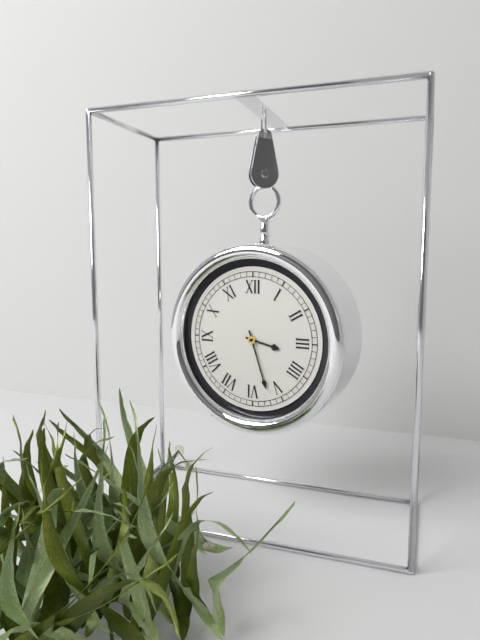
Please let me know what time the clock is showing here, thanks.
3:27
